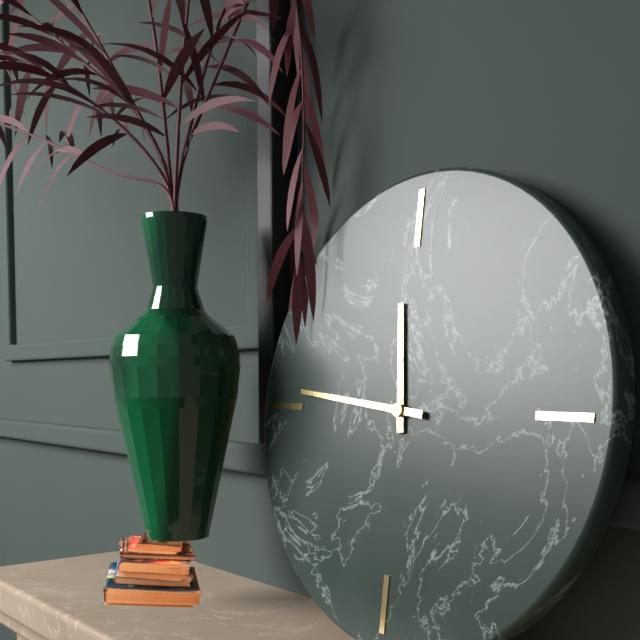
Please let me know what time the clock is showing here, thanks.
11:46
